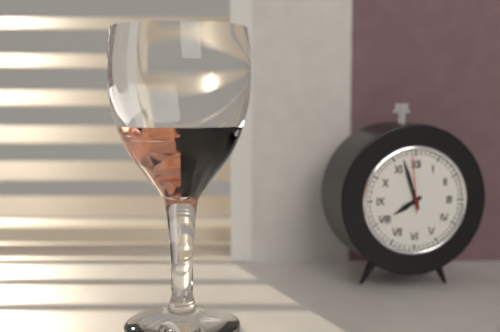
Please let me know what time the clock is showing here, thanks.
7:57:59
